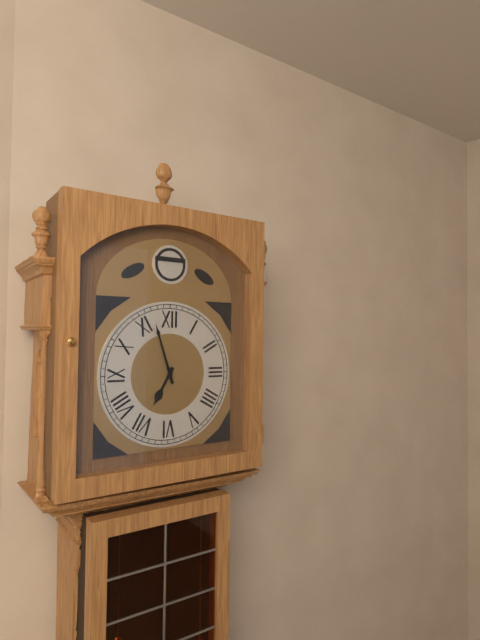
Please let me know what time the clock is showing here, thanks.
6:57
